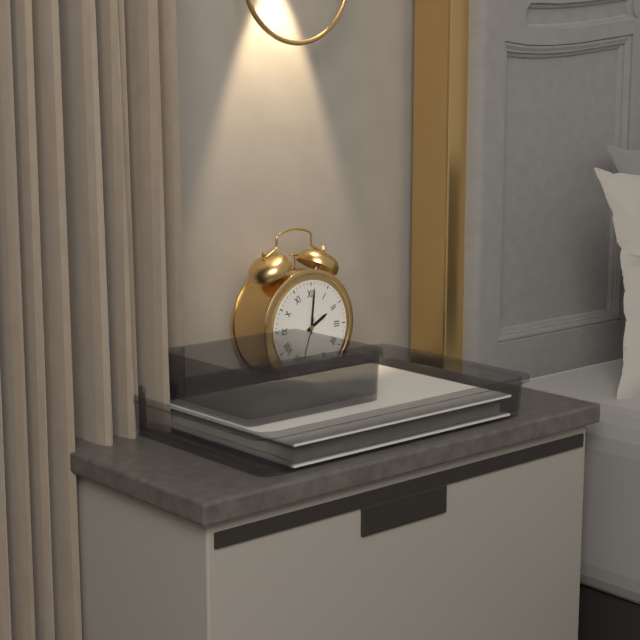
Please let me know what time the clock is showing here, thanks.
2:01
